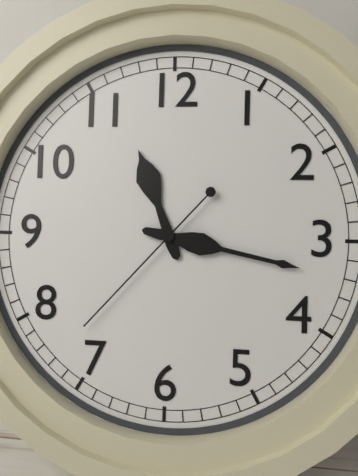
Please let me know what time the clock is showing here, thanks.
11:17:37
